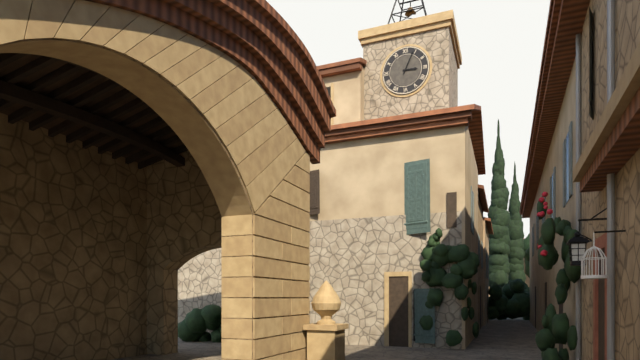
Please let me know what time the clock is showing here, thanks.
3:04
